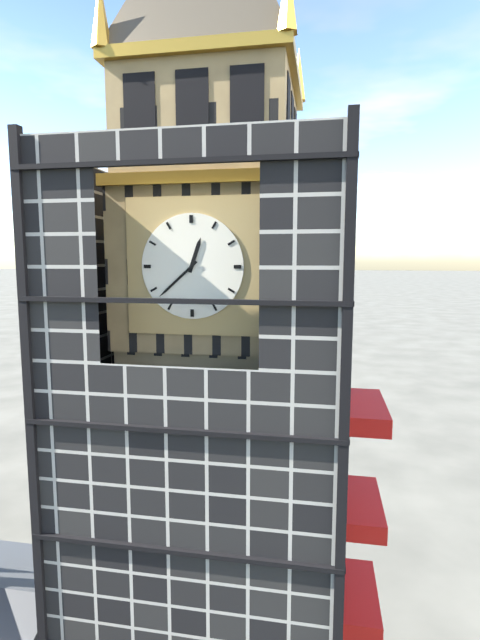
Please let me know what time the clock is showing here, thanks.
12:38
